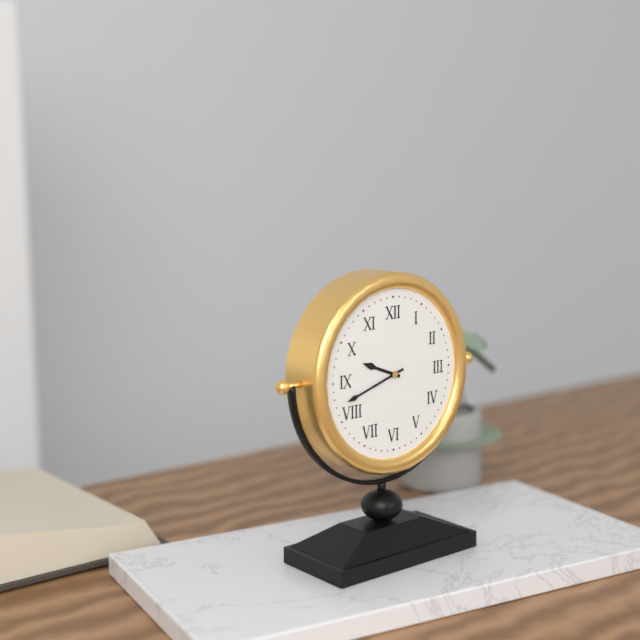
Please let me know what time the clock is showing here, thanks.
9:42
